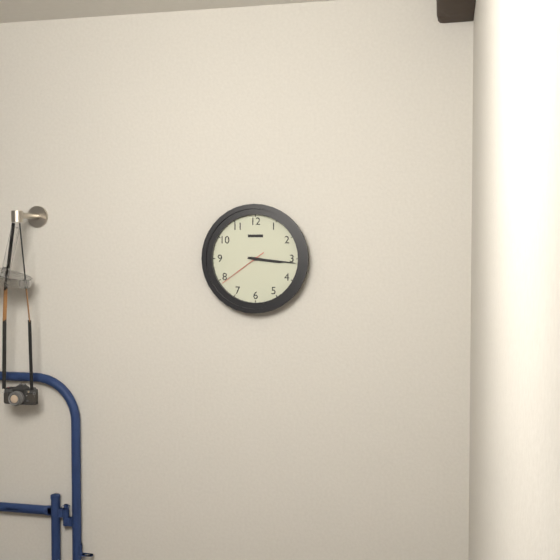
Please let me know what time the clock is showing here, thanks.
3:16:39
